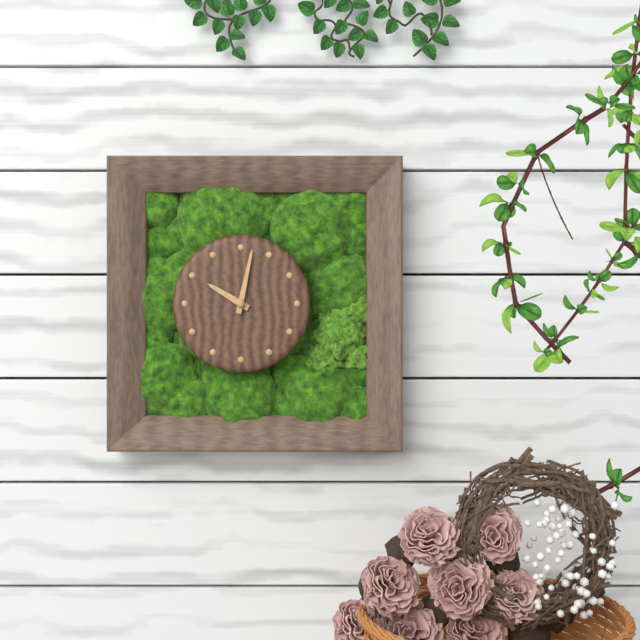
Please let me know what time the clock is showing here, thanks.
10:02
